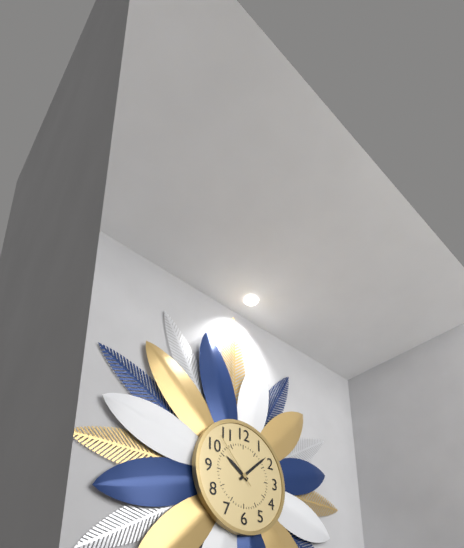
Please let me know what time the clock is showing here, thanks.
10:08:53
